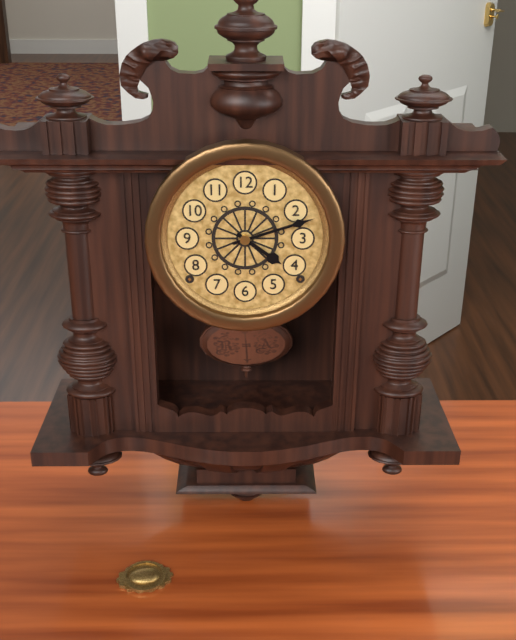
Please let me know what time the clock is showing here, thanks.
4:12
